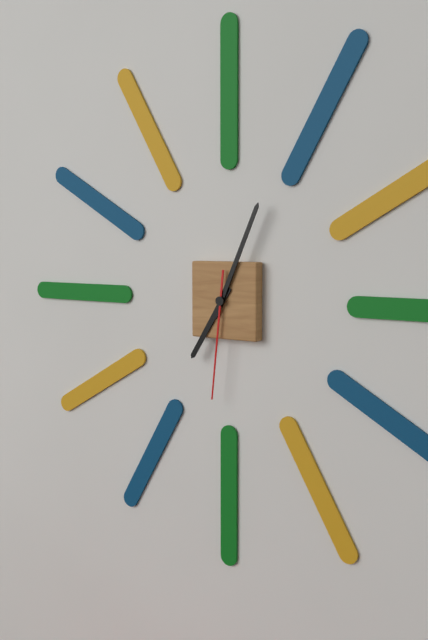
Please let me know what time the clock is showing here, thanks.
7:04:31
